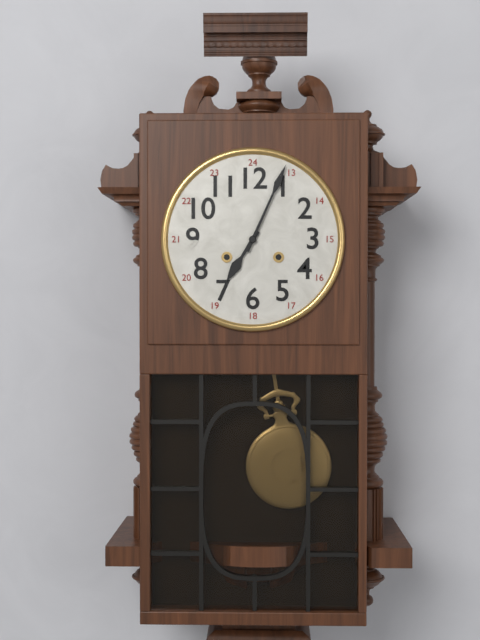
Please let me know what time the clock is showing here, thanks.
7:04
